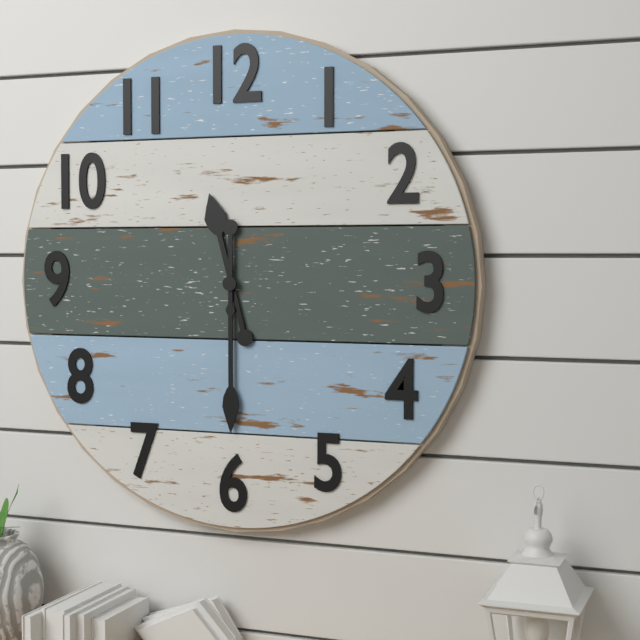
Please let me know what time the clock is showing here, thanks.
11:30
